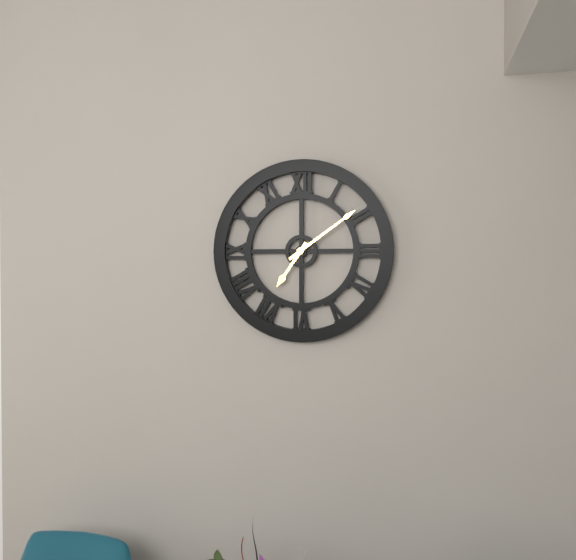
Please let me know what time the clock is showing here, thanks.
7:09
